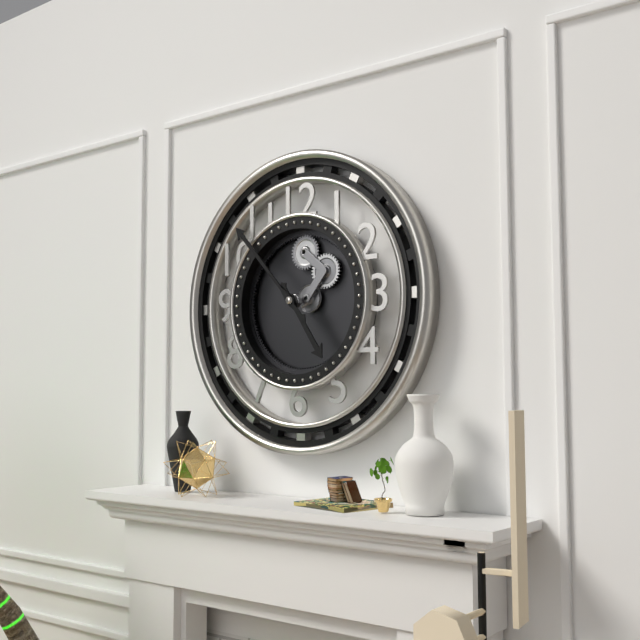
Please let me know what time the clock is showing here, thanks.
4:53
